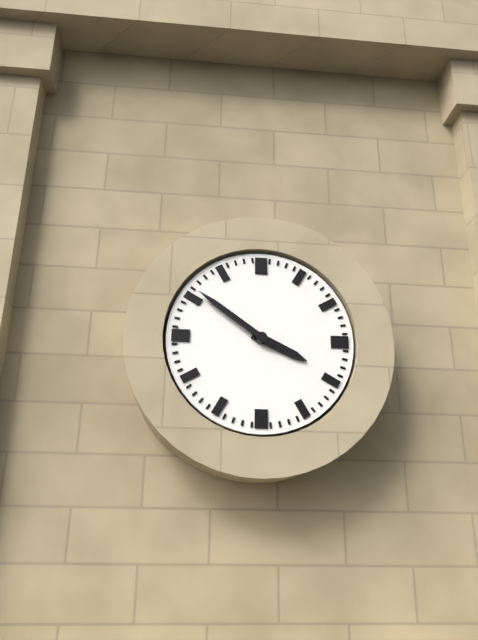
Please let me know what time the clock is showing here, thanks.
3:51
